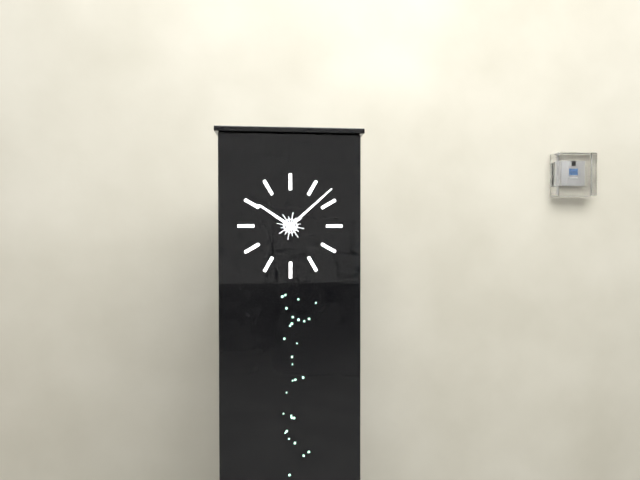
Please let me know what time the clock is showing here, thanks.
10:08
